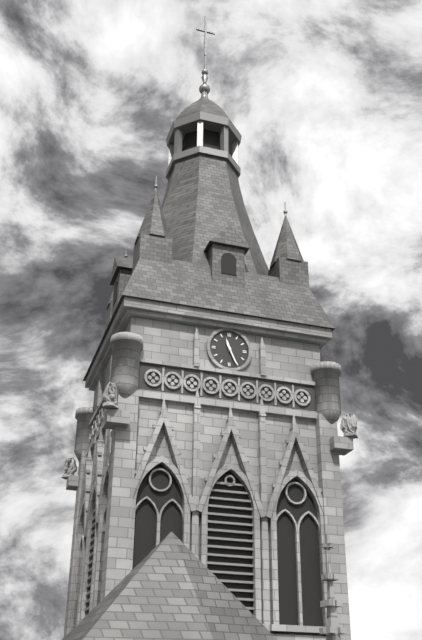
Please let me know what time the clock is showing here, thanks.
11:26
